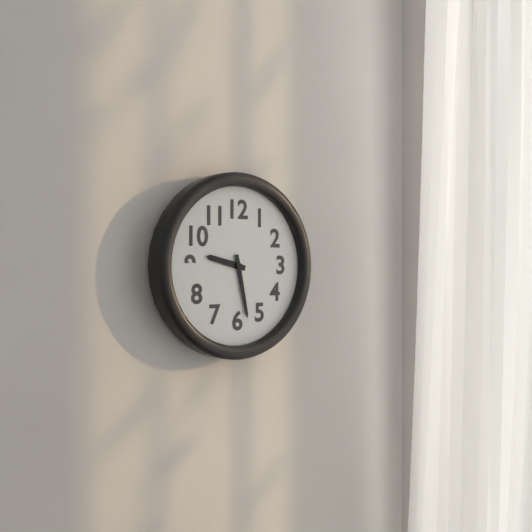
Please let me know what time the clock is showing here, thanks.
9:28
